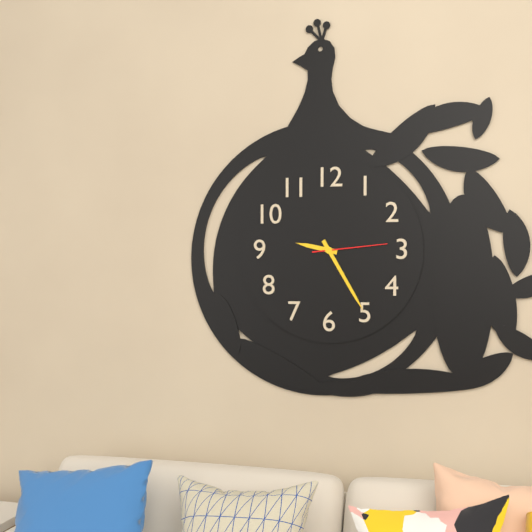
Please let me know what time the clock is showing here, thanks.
9:25:14
